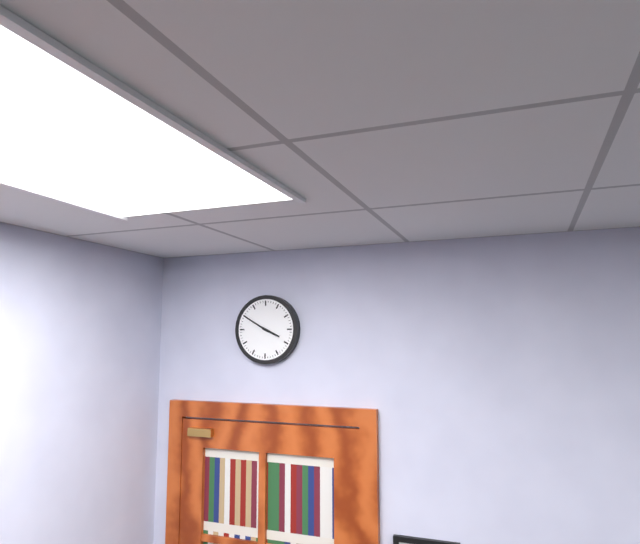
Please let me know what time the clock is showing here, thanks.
3:50
